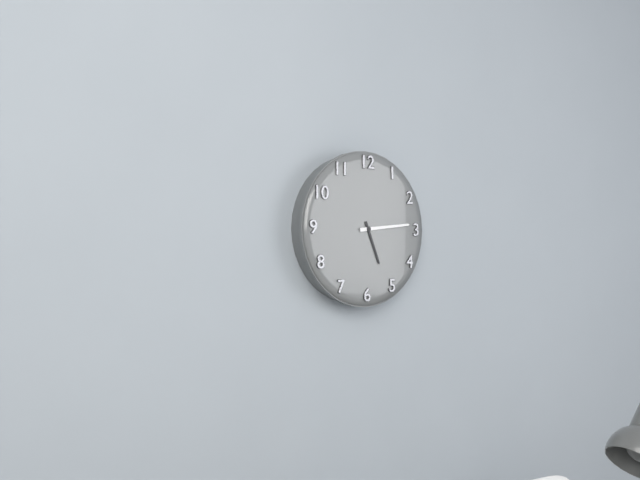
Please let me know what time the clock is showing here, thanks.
5:14
